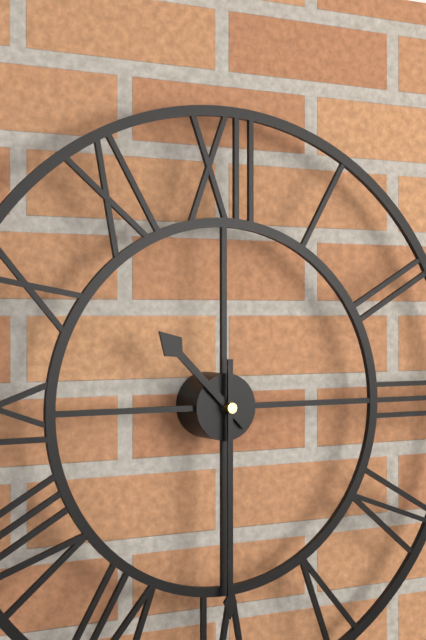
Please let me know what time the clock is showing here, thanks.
10:30
